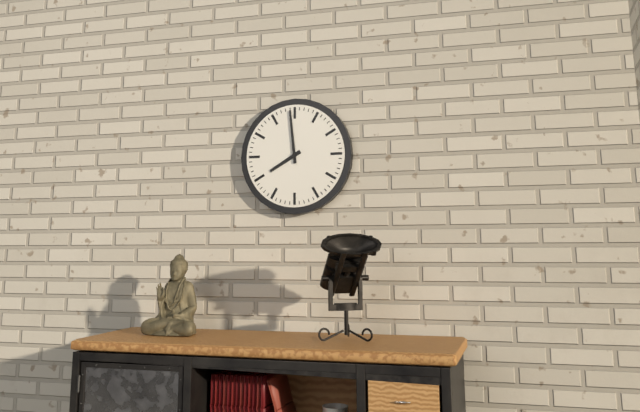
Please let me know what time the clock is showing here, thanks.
7:59
